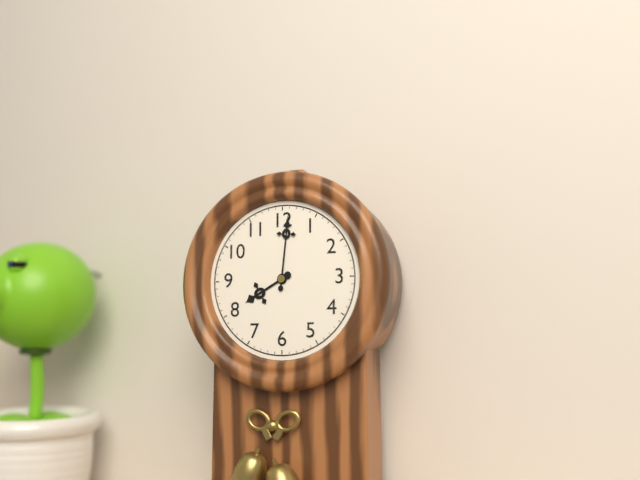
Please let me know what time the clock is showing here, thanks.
8:01
